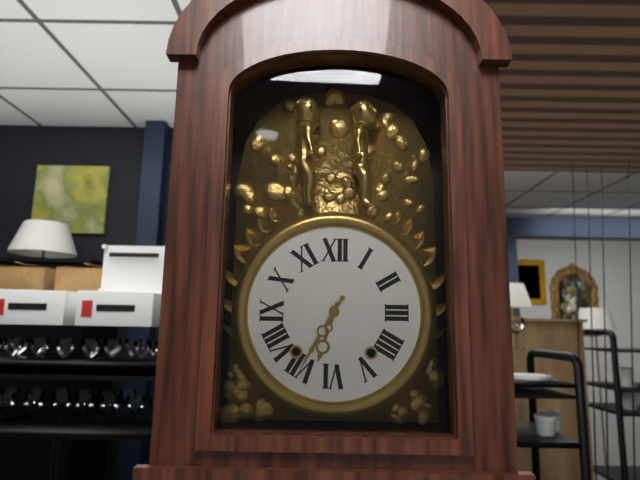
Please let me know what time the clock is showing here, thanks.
6:35
